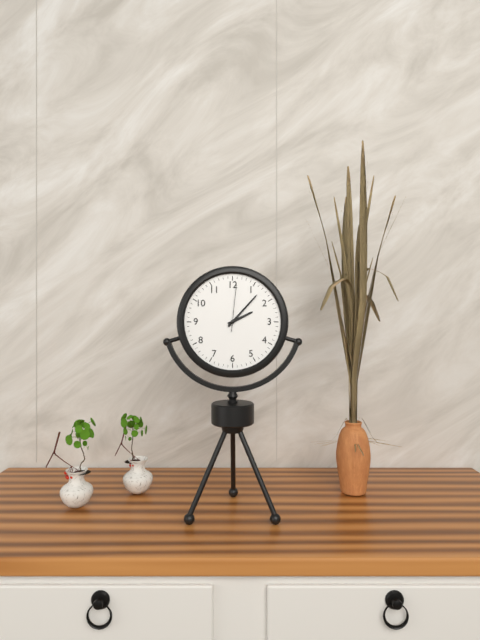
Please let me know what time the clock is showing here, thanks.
2:07:01
